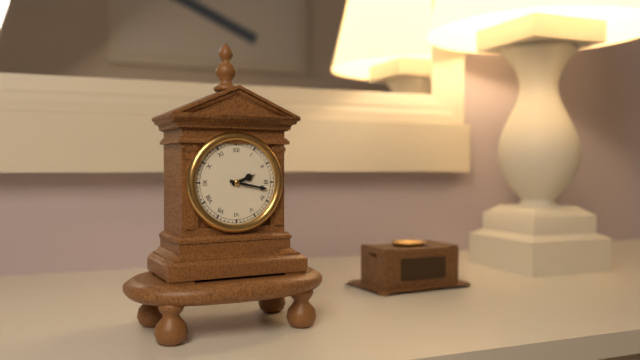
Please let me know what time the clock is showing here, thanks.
2:17
